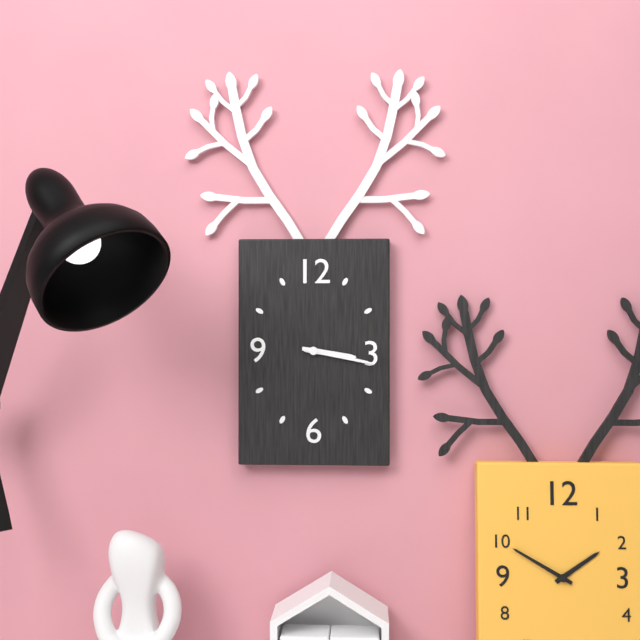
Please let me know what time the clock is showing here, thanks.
3:17
